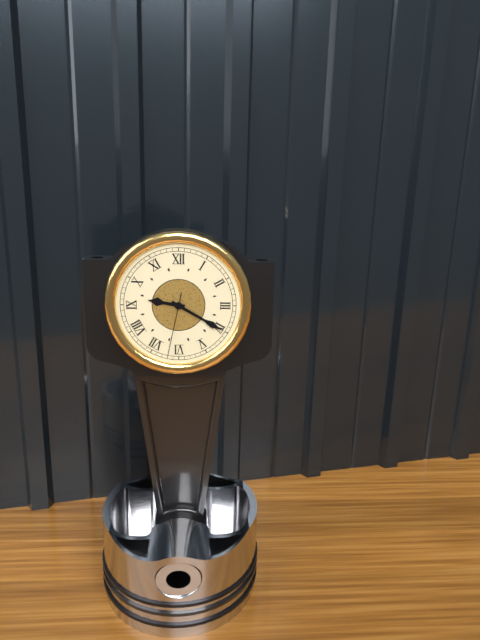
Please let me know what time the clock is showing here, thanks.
9:20:32
